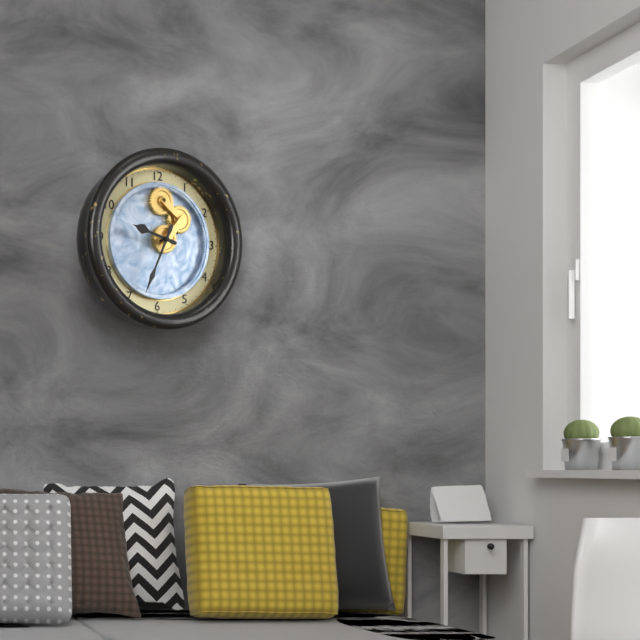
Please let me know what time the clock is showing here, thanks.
9:34
